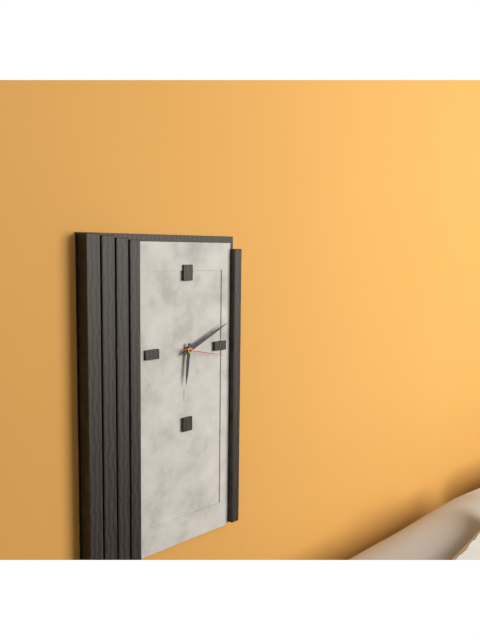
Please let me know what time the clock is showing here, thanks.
6:11
